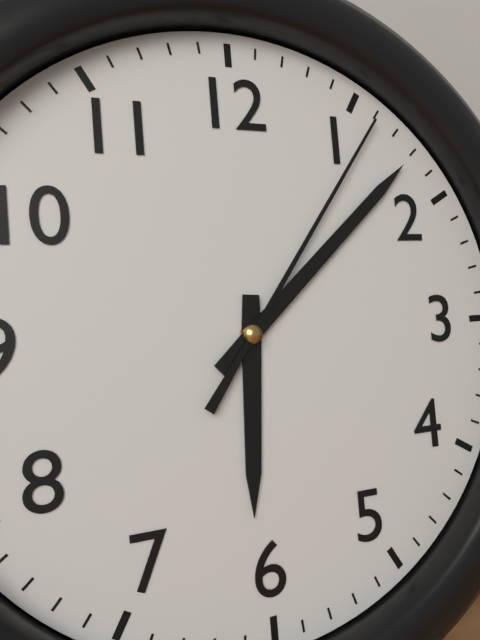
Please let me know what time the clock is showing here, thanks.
6:08:06
